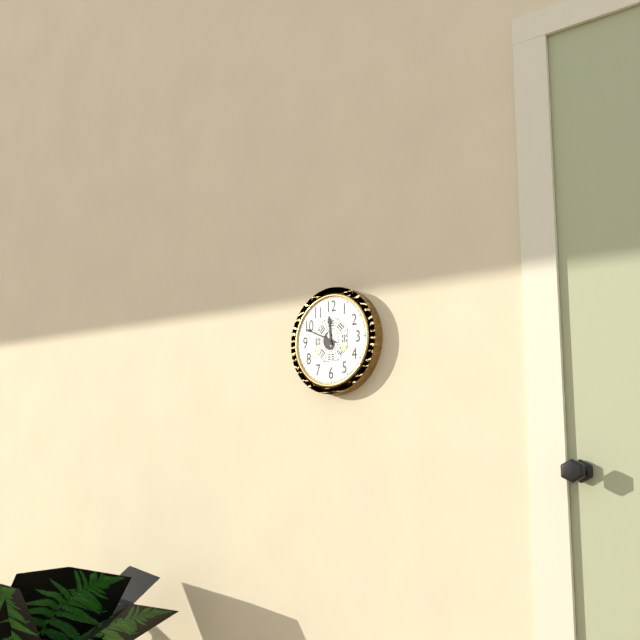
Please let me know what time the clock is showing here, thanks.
11:49
